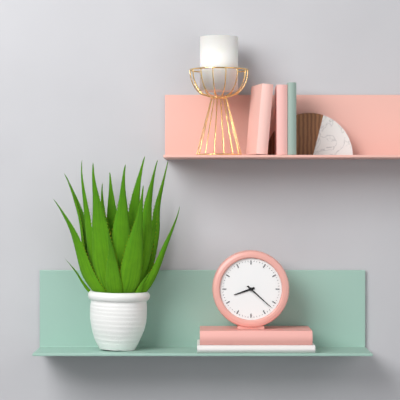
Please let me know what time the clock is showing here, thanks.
8:22
